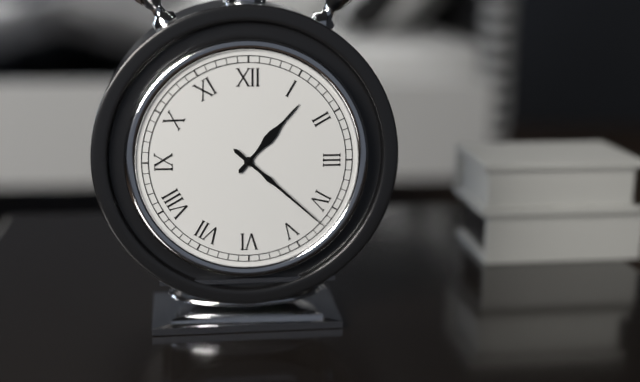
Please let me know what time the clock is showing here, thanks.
1:22
